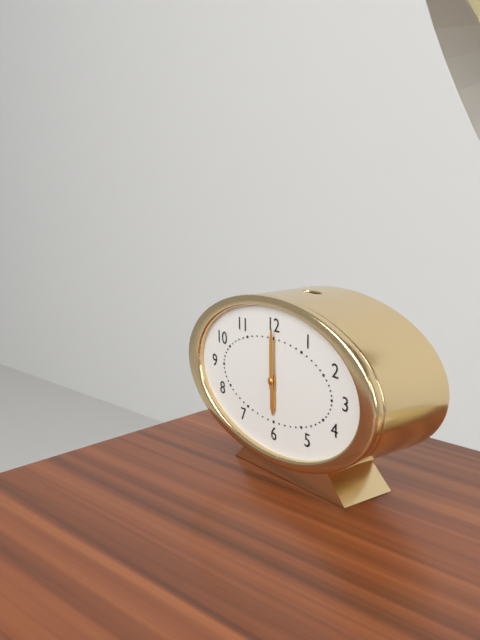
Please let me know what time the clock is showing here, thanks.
6:00
